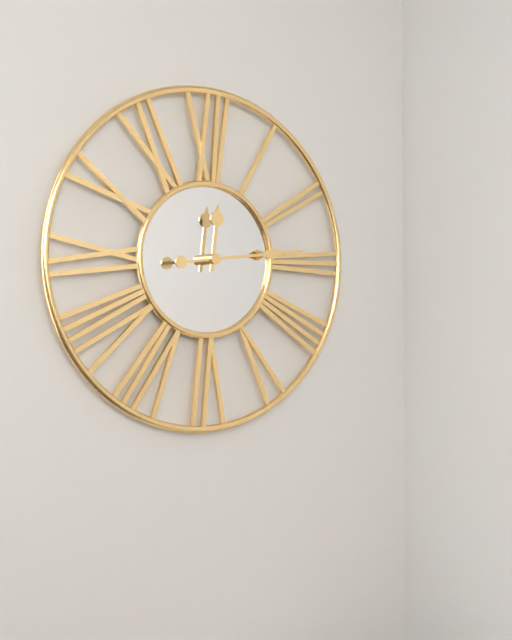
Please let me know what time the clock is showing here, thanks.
12:14
